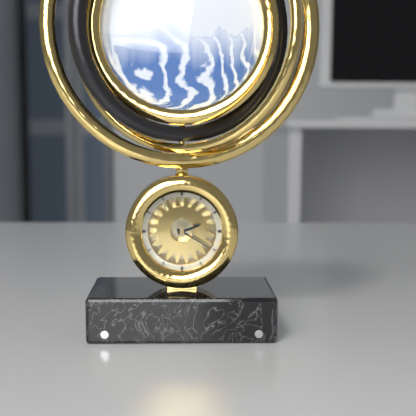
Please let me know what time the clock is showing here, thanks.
2:20
